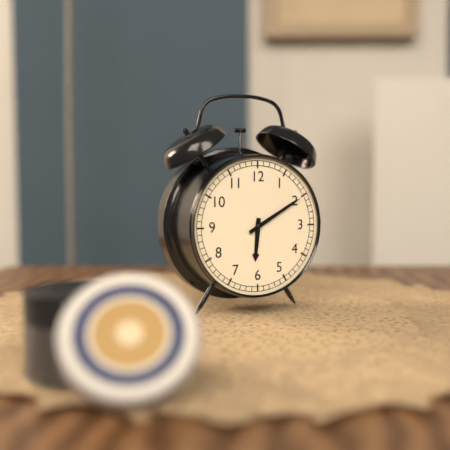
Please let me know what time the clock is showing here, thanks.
6:10
